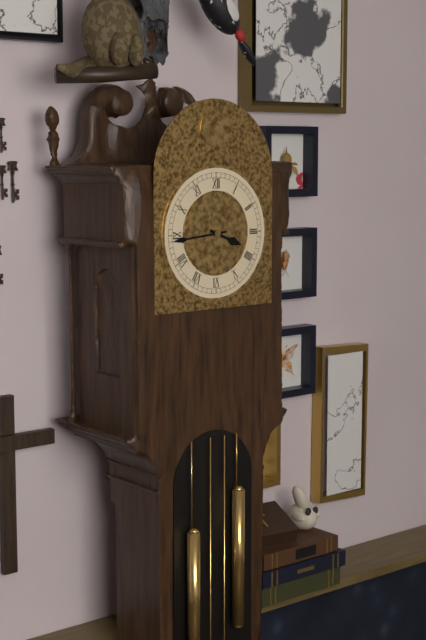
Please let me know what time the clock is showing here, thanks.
3:44
